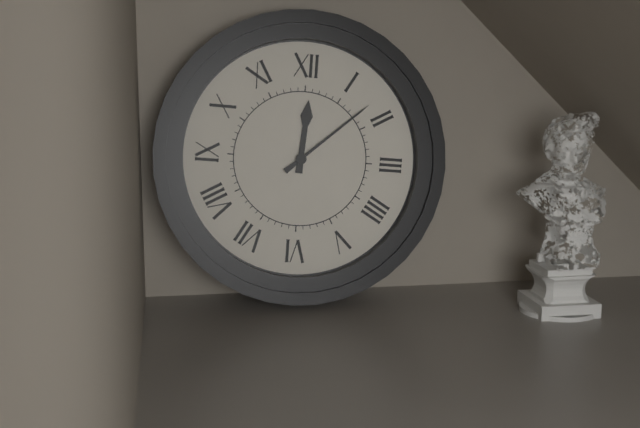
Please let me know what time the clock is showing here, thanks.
12:08
